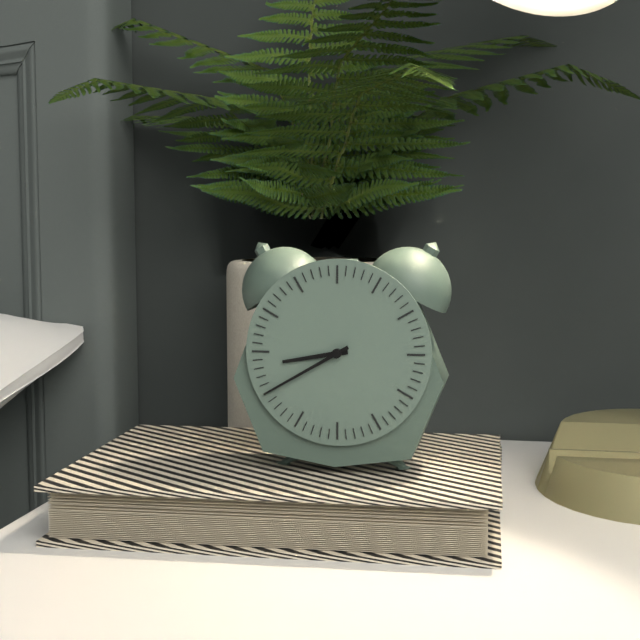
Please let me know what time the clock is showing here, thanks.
8:40
